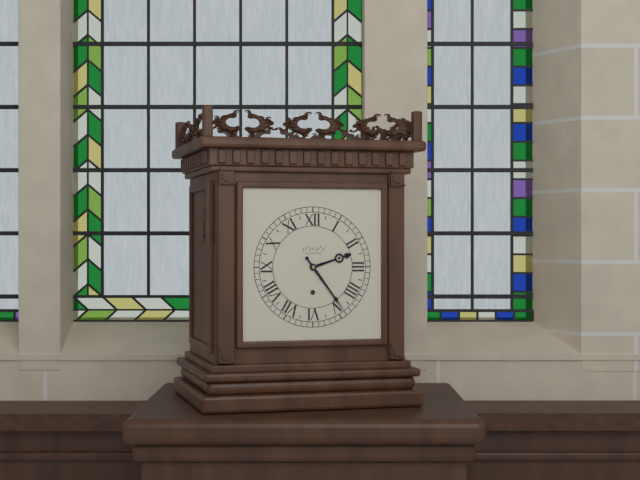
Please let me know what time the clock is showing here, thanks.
2:24
